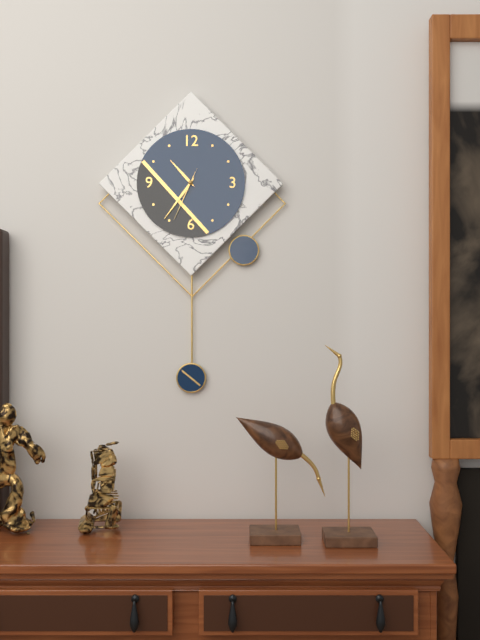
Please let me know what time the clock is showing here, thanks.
10:36:34
